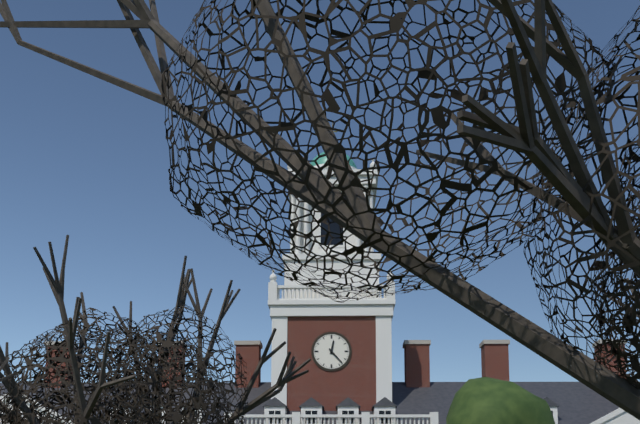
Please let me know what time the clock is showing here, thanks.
12:23
